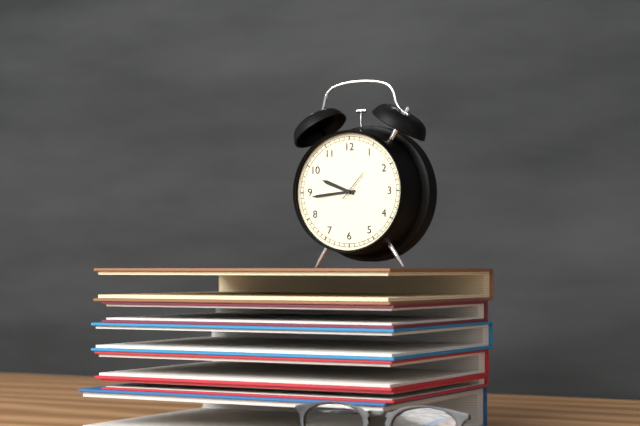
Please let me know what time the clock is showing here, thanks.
9:44
